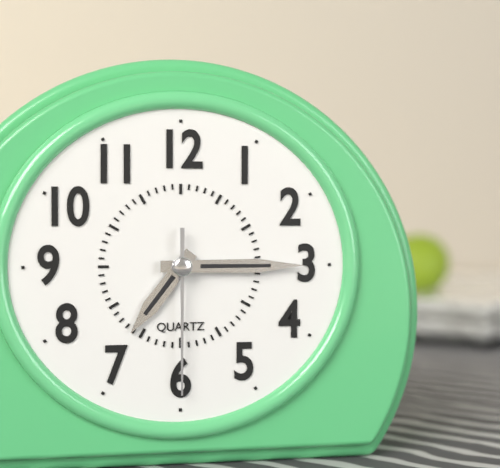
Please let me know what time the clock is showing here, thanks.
7:15:30
